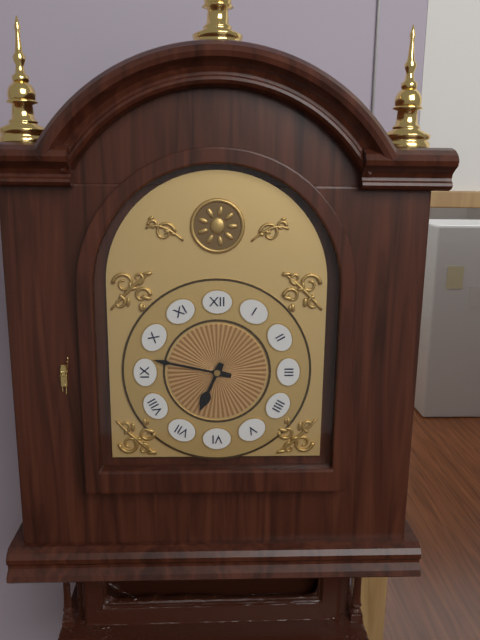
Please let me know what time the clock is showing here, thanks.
6:47
